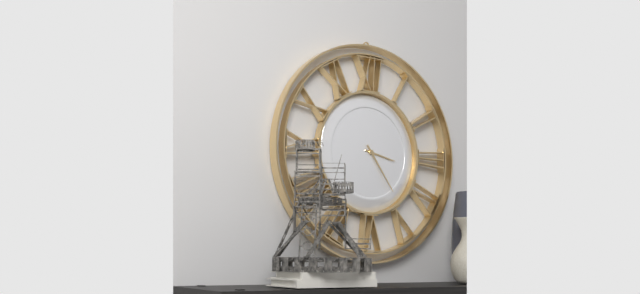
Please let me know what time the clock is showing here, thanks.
3:24
